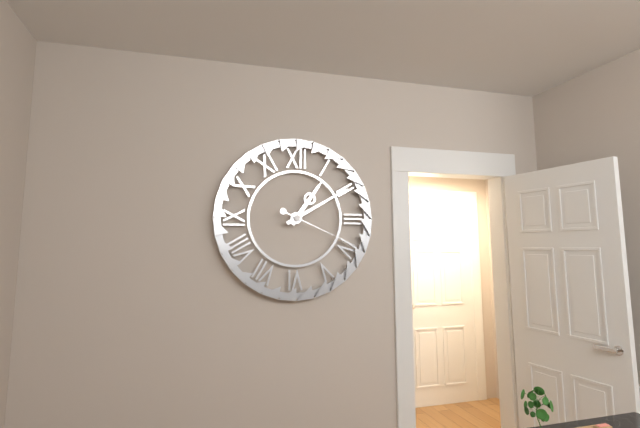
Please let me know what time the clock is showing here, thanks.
1:10:19
